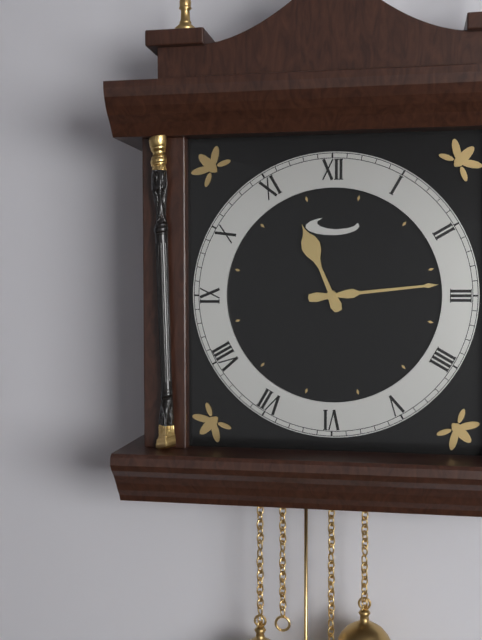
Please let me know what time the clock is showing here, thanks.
11:14
